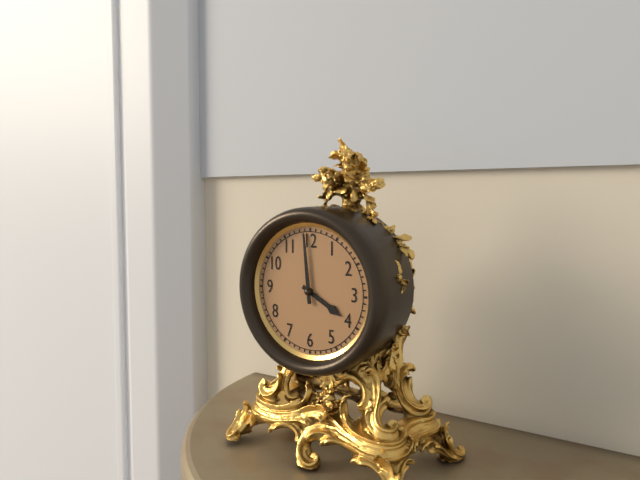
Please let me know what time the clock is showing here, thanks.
3:59
